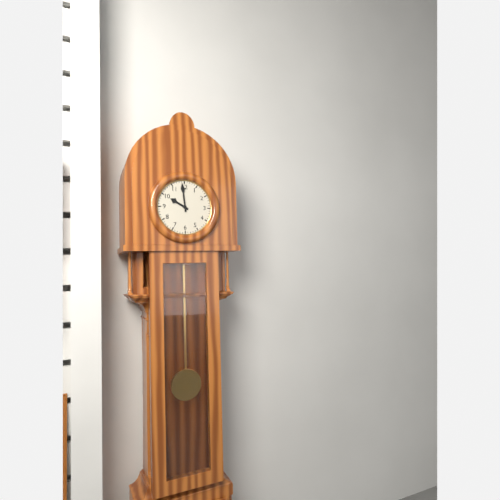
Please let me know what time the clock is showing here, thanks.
9:59
